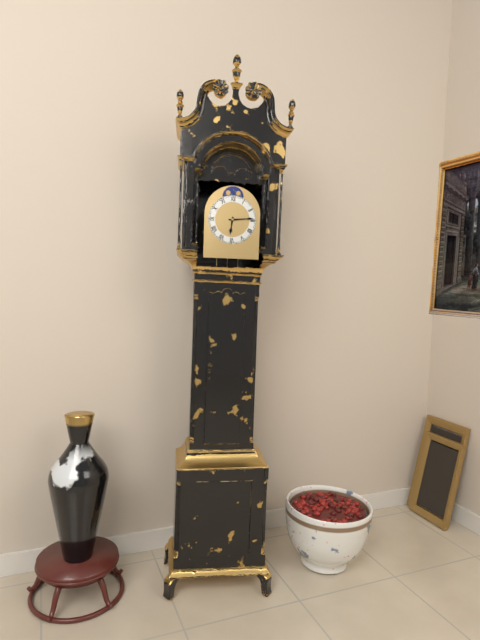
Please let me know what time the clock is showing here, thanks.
6:14
